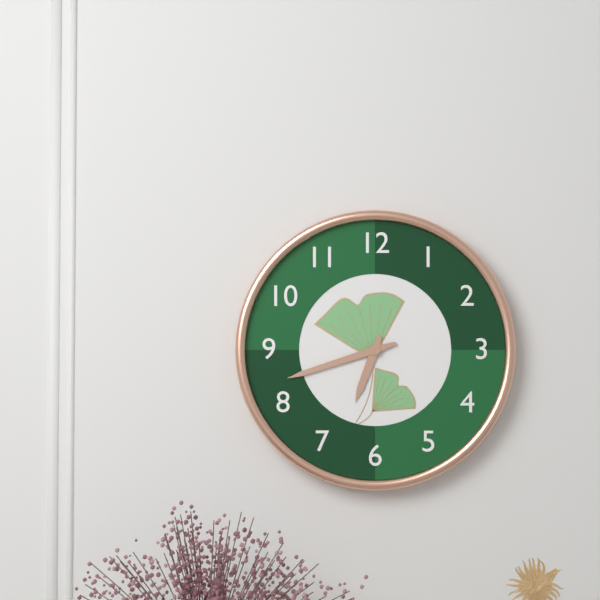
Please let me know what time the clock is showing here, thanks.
6:42
